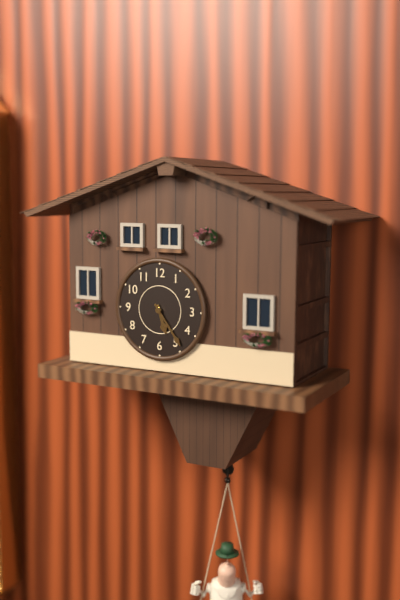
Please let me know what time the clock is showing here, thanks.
5:24
